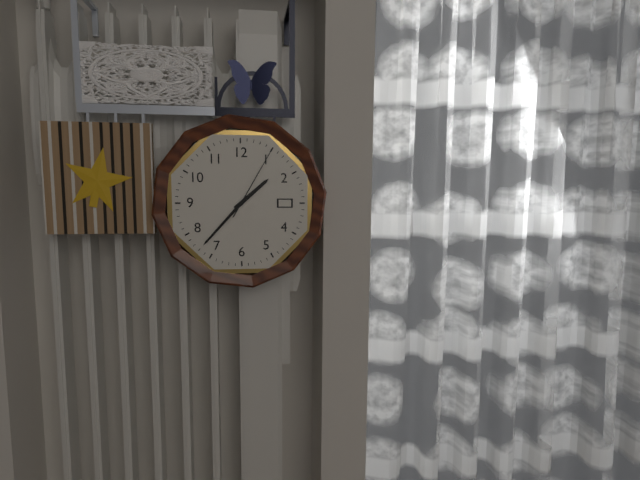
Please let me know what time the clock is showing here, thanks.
1:37:05
